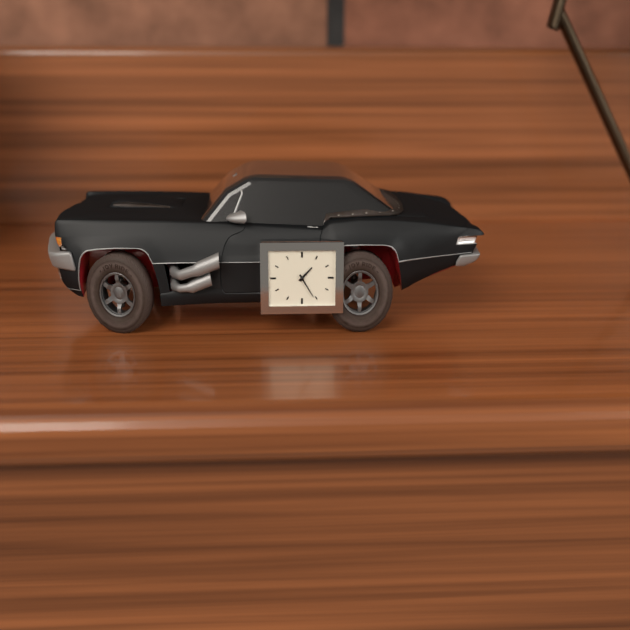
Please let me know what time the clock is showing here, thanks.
1:25
